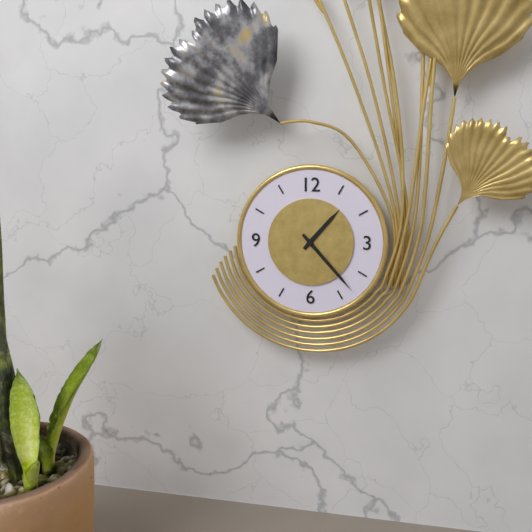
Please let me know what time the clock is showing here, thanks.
1:23
